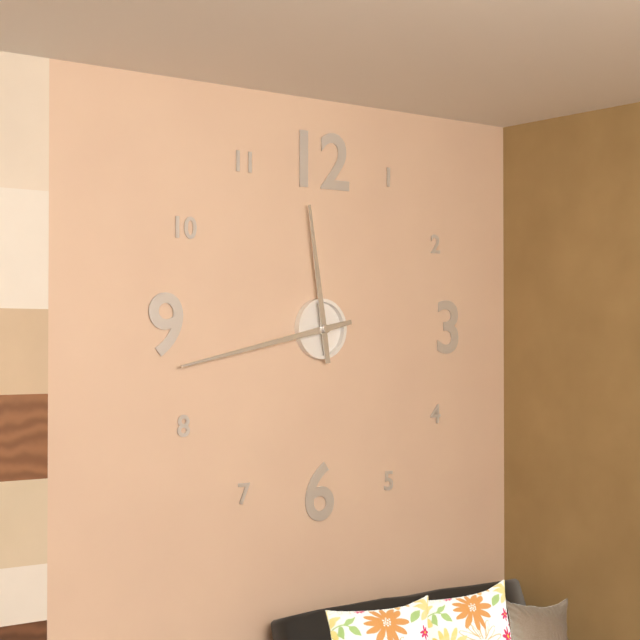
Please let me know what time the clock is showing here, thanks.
11:43
